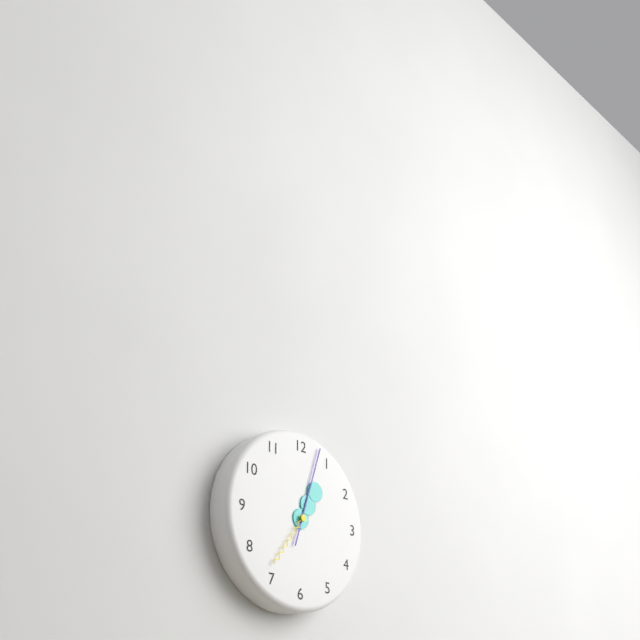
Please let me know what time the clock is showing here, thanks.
1:03:36
